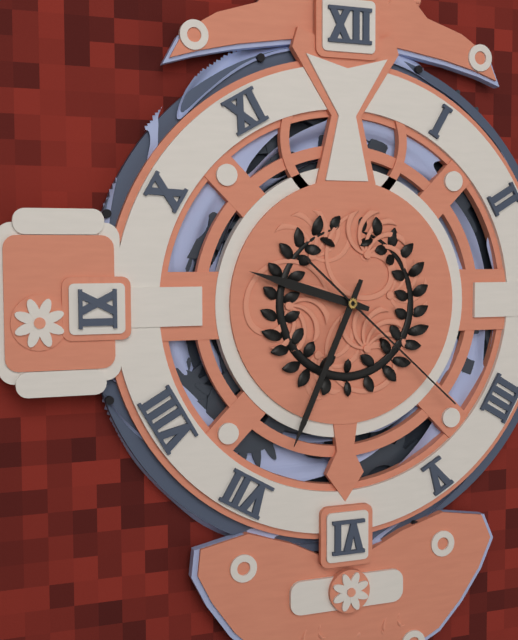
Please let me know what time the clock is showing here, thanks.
9:34:22
